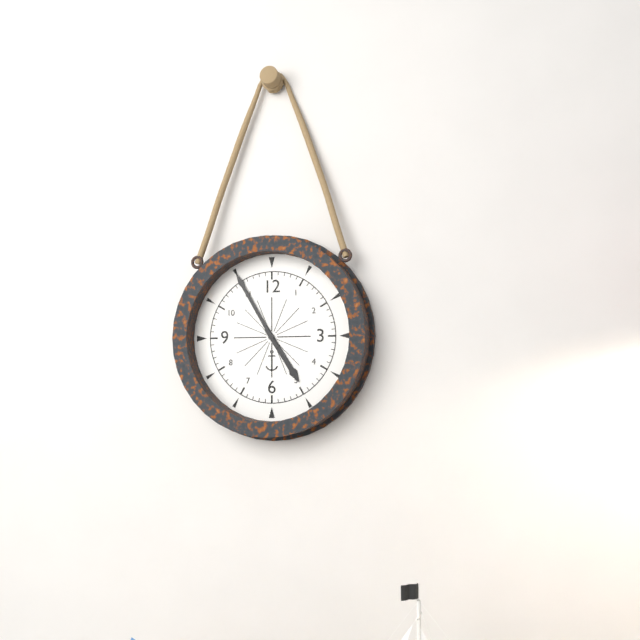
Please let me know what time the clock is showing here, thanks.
4:55
